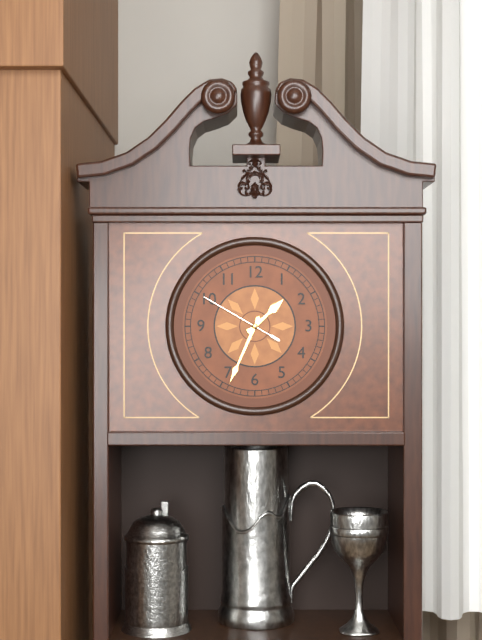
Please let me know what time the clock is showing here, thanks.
1:34:50
